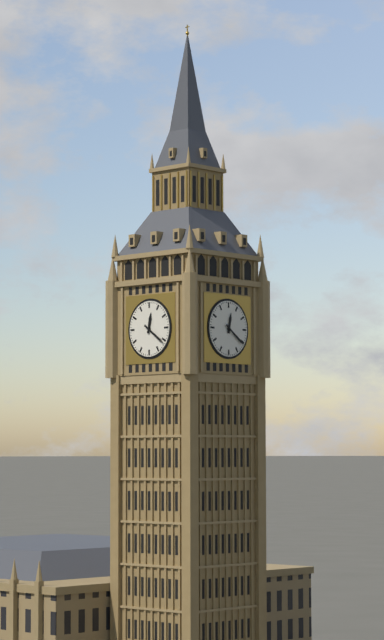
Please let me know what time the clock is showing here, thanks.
12:21
